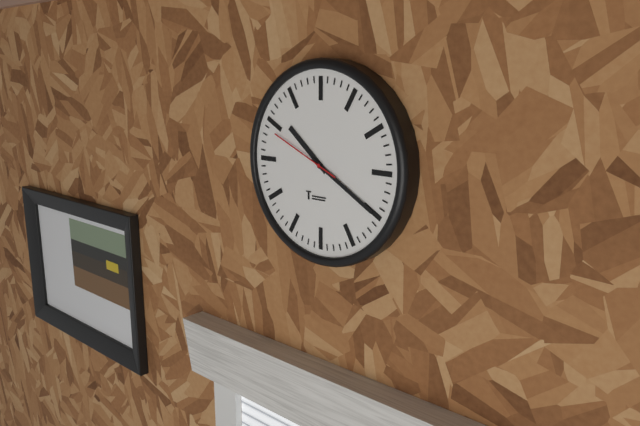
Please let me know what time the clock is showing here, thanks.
10:20:49
